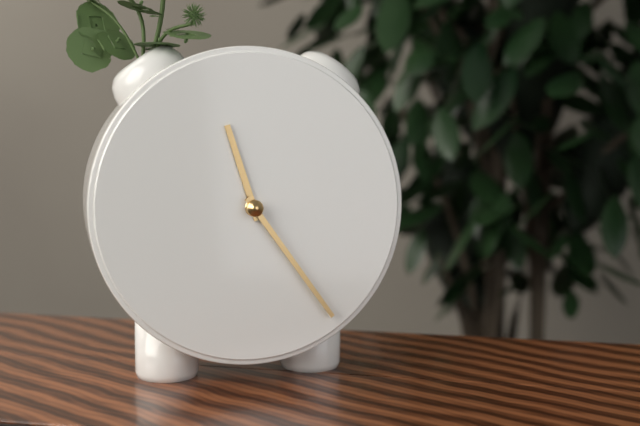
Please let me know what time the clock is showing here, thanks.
11:24
